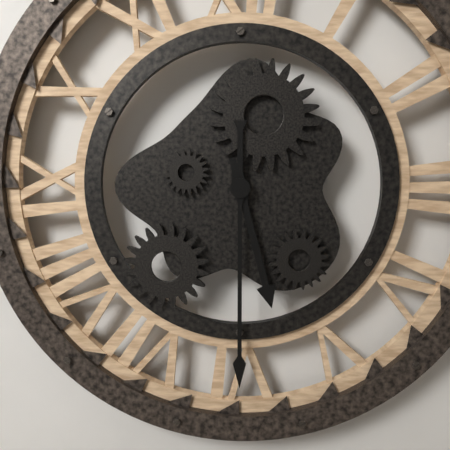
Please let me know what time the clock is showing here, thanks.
5:30
